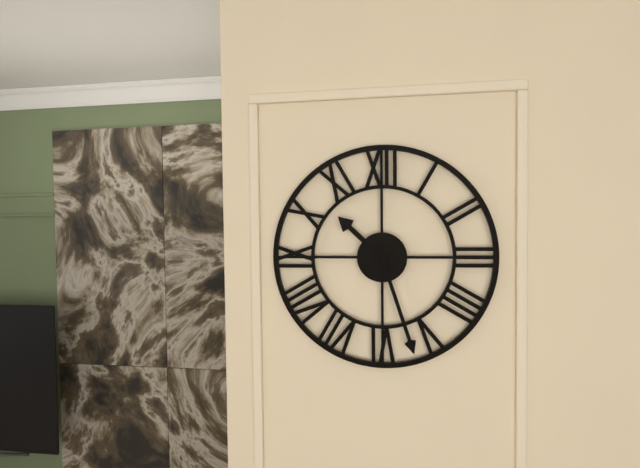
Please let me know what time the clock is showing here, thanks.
10:27
